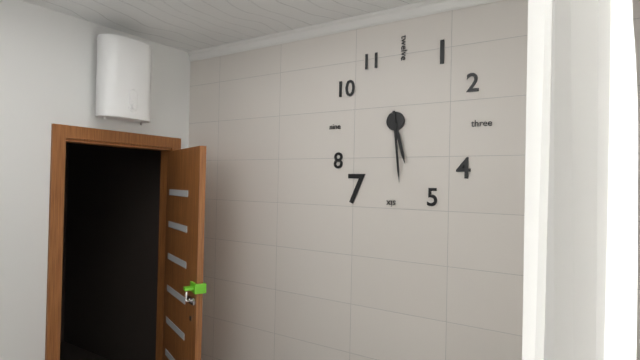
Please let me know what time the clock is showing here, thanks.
5:29
